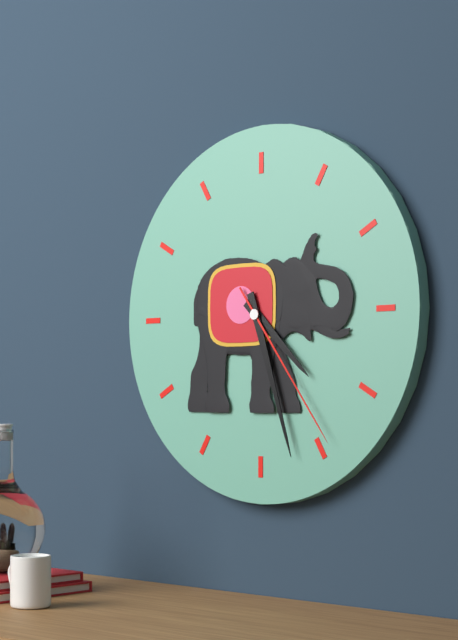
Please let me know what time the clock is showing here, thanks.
4:27:24
